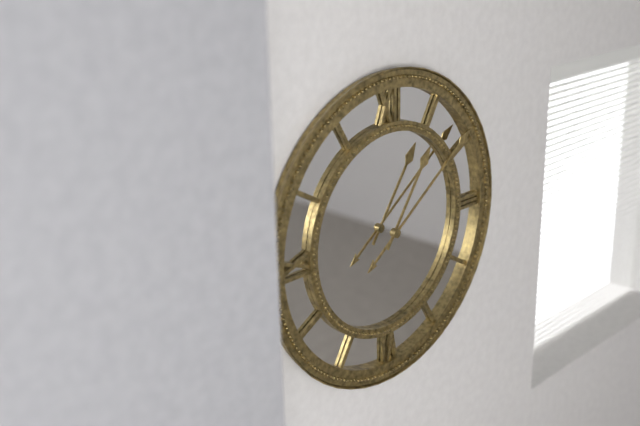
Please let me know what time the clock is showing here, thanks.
1:09
